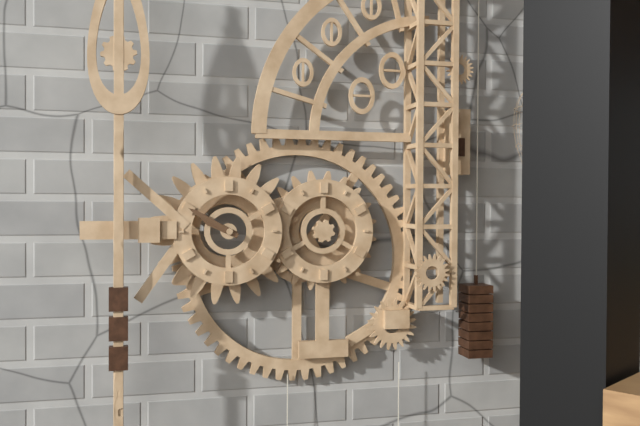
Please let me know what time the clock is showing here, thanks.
9:50
